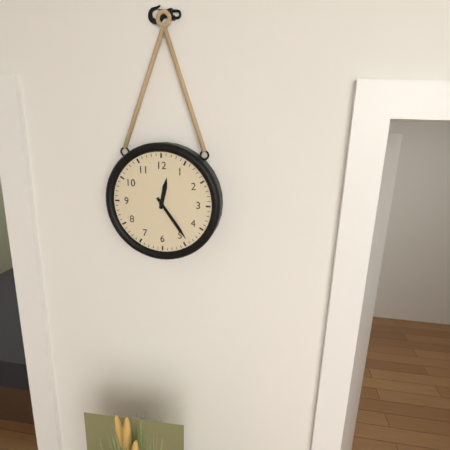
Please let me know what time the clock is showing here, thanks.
12:24
